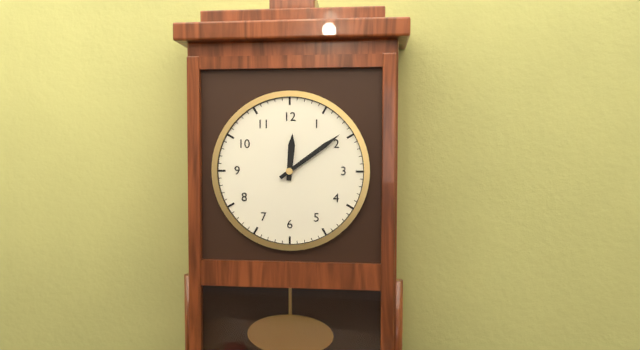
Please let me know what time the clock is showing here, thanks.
12:09
